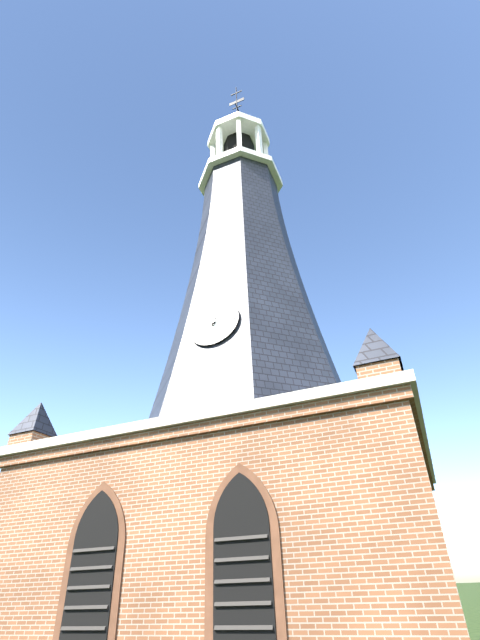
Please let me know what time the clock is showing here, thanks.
12:09
